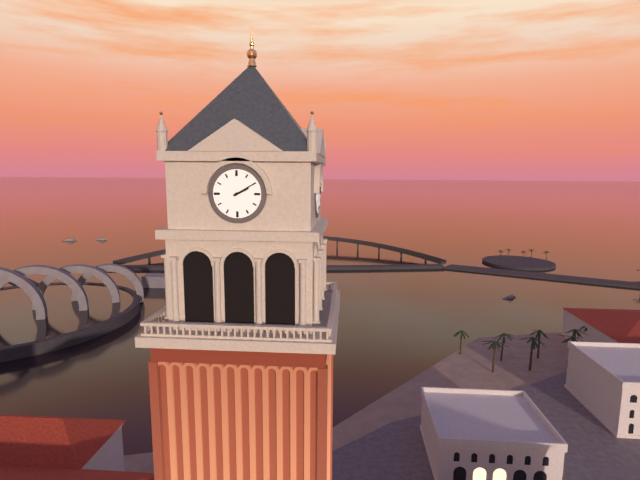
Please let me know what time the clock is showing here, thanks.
2:10
